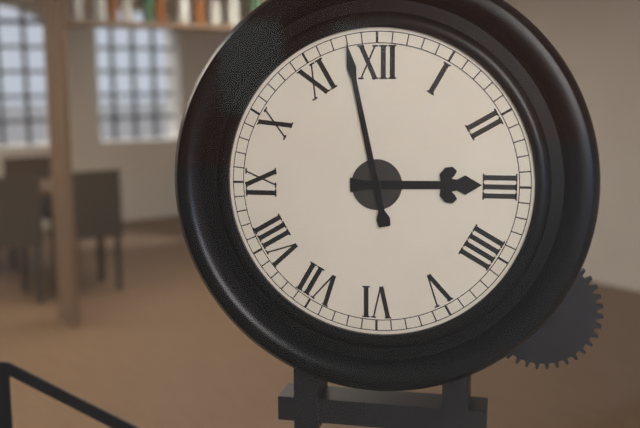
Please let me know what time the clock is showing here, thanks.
2:58
